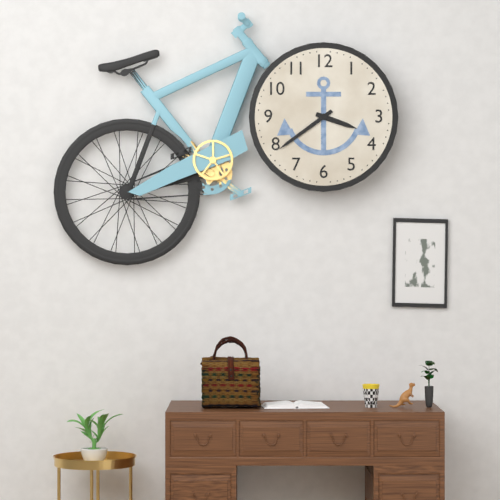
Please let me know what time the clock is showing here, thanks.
3:39
